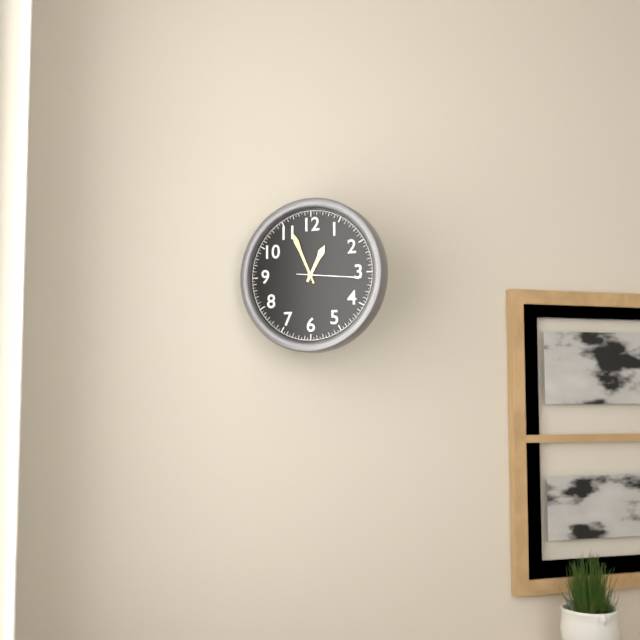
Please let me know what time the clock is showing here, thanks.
12:56:16
